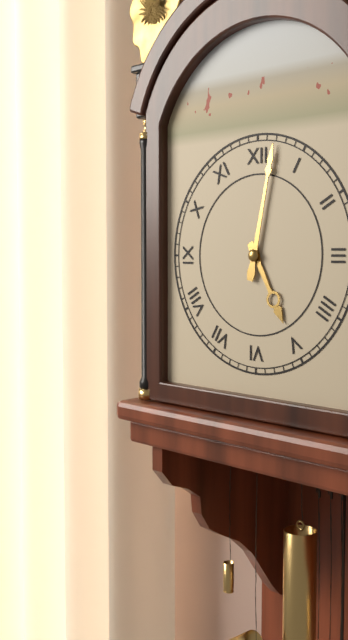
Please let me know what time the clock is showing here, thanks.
5:02
